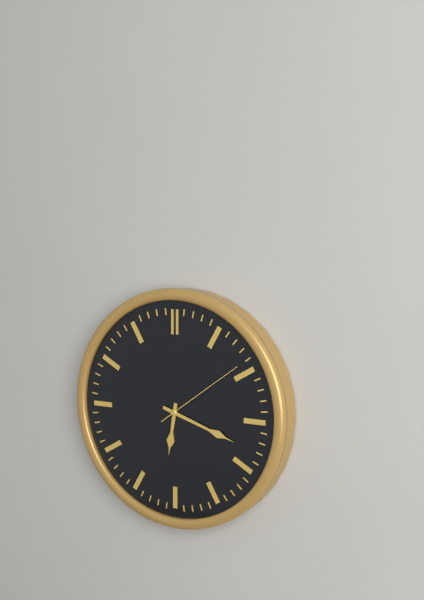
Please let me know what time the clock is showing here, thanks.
6:18:09
